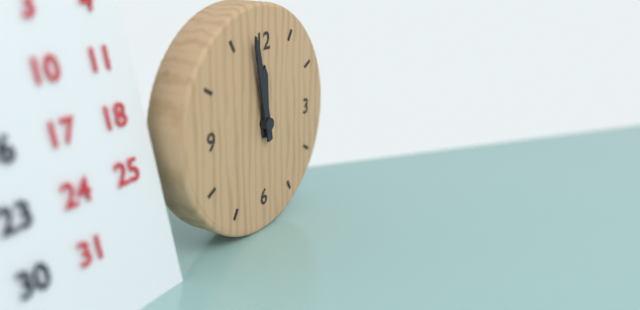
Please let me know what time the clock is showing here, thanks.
11:58
